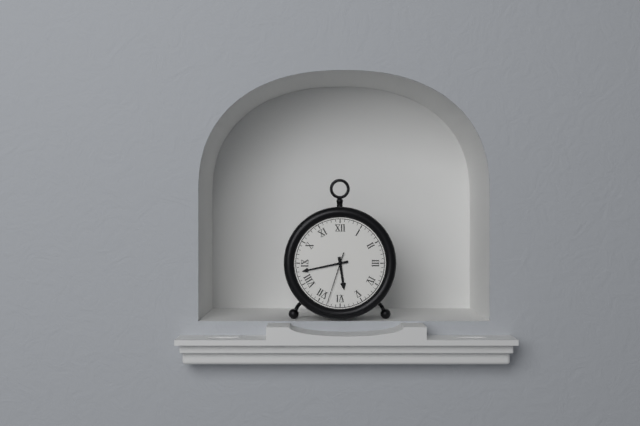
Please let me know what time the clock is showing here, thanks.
5:43:33
